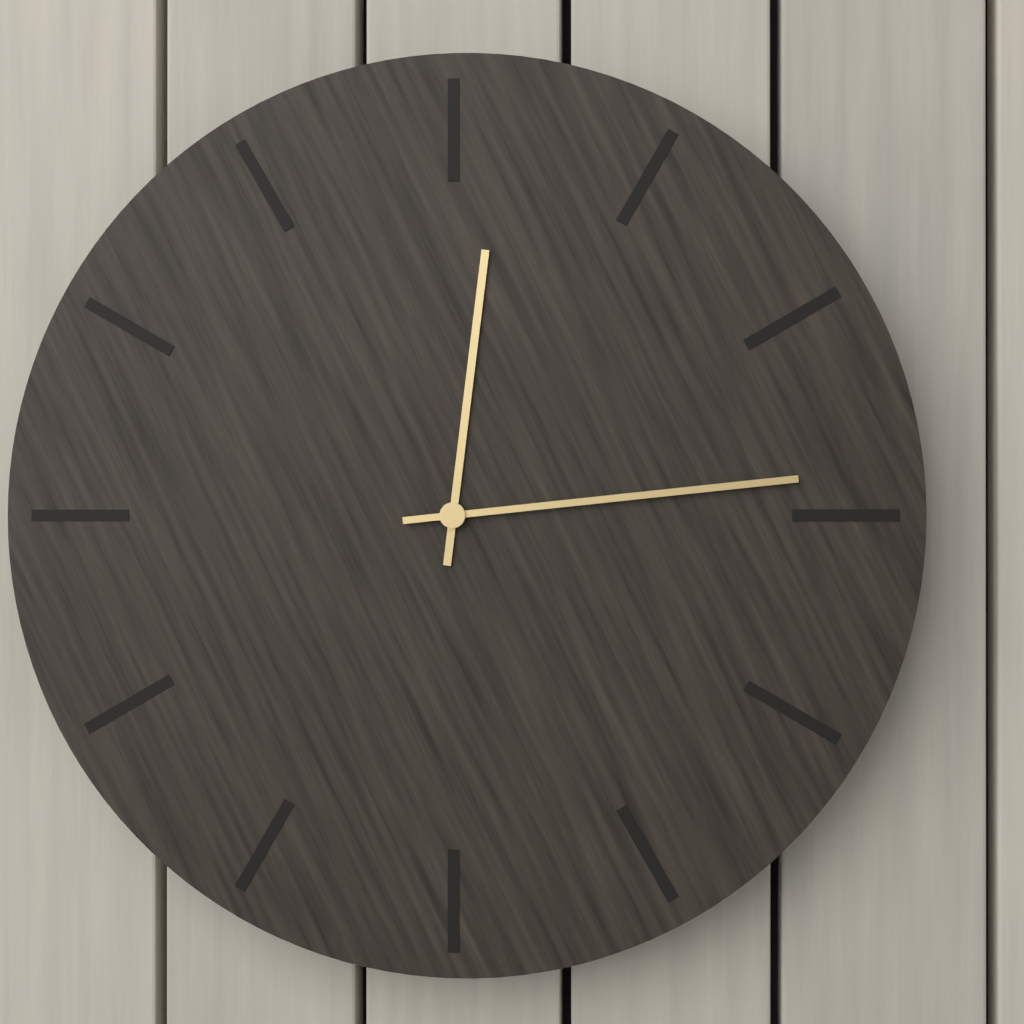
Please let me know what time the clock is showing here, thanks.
12:14
